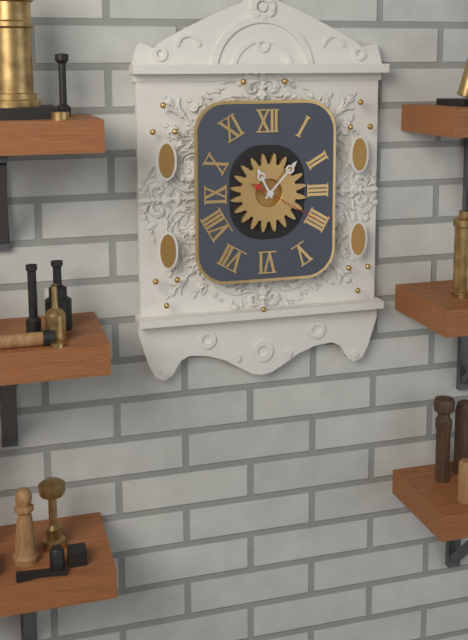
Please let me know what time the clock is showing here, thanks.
11:07:20
